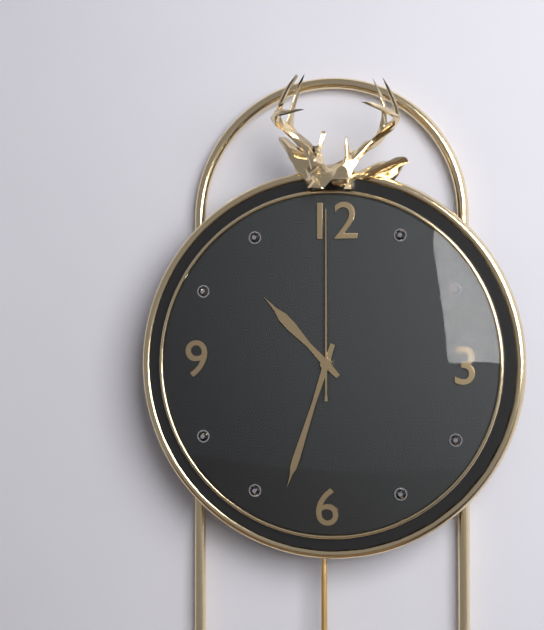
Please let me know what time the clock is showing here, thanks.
10:33:00
